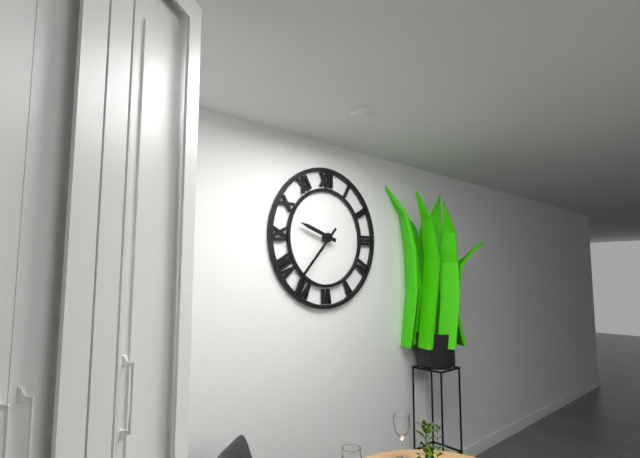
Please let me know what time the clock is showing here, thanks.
9:37
